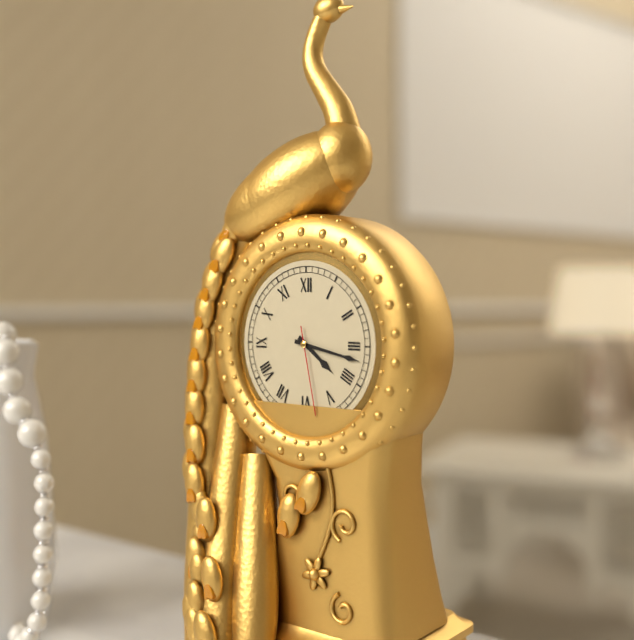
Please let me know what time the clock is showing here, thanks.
4:17:28
